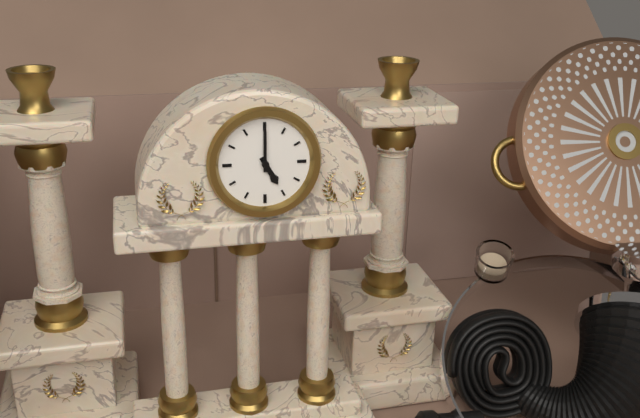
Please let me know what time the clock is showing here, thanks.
5:00
